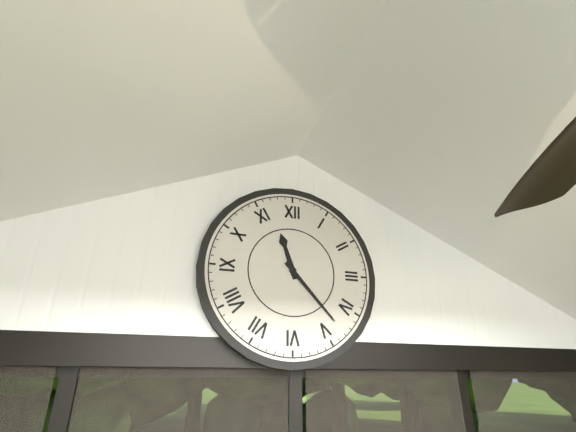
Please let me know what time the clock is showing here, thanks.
11:23
